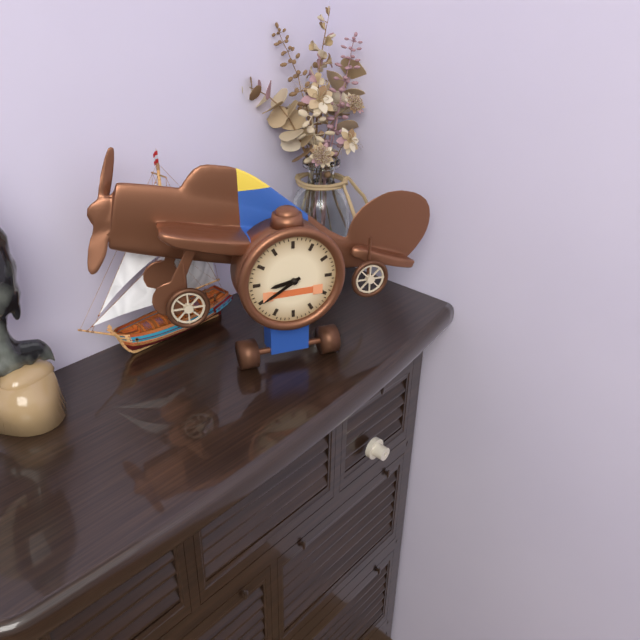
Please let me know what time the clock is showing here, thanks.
8:40
